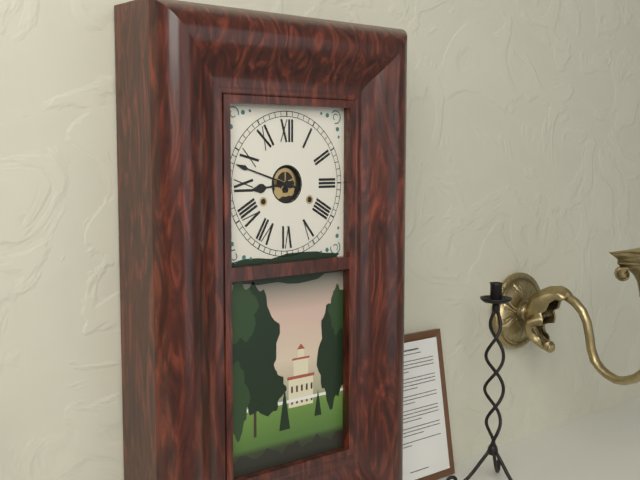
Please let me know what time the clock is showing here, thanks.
8:48
